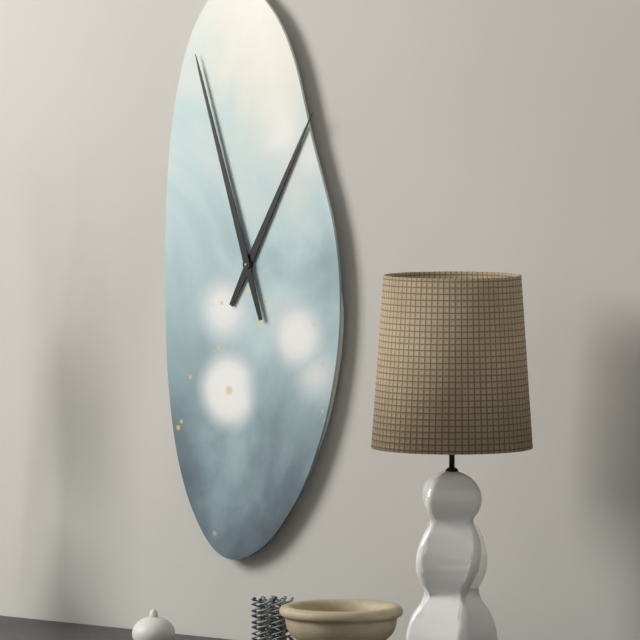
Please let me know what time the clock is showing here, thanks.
12:57
